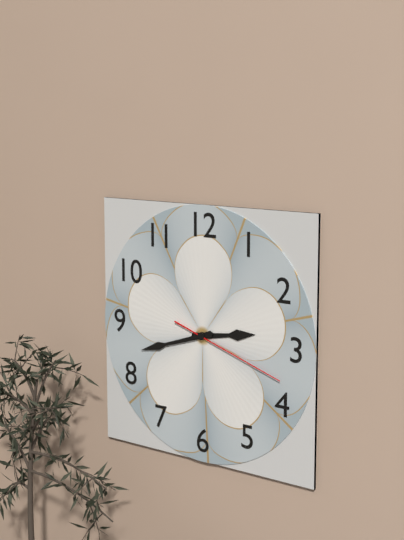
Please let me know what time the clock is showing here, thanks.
2:42:18
